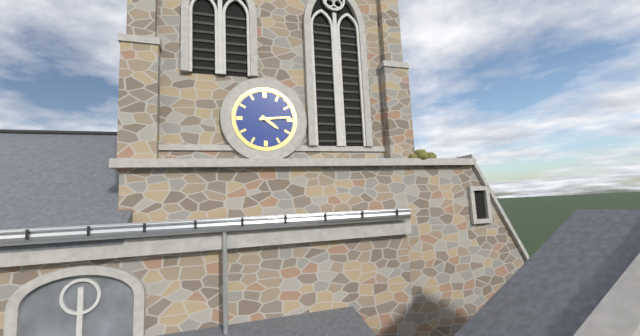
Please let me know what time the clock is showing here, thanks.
4:14
